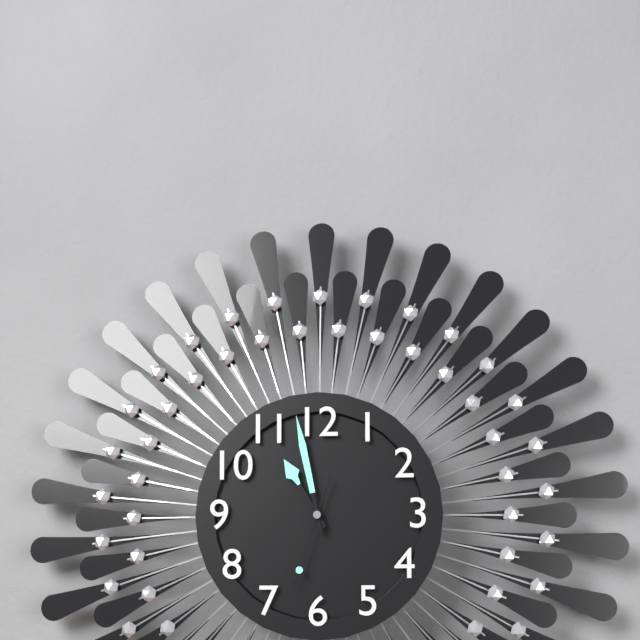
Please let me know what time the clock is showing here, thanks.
10:58:33
